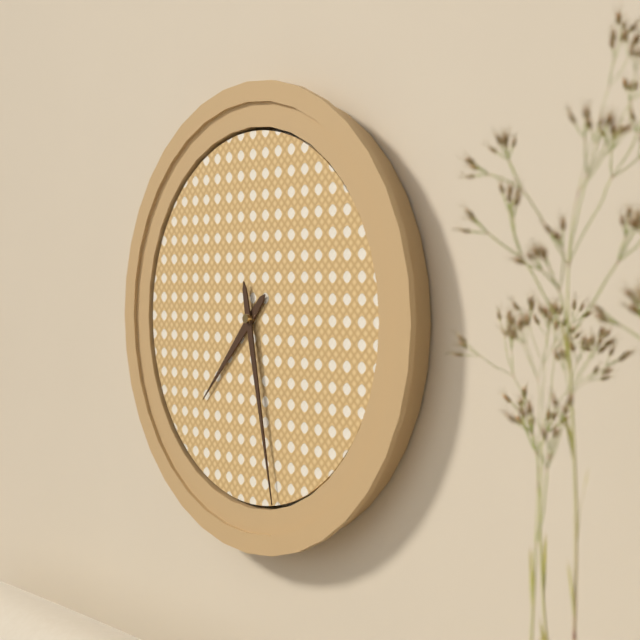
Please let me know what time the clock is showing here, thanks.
7:28
